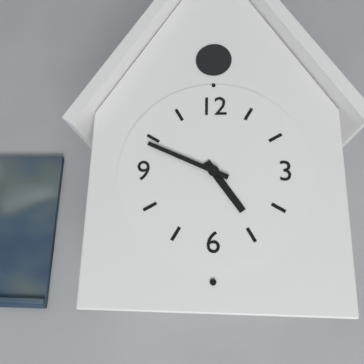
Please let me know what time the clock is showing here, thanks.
4:49
